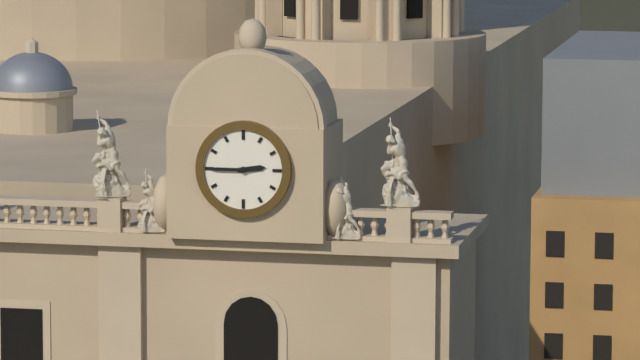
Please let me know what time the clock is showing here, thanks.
2:45
